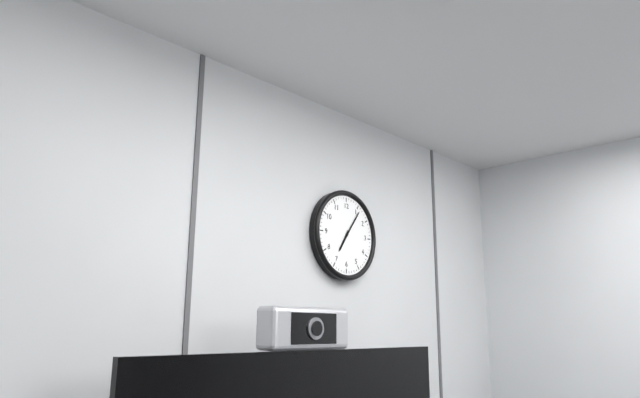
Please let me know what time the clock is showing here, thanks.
7:06
